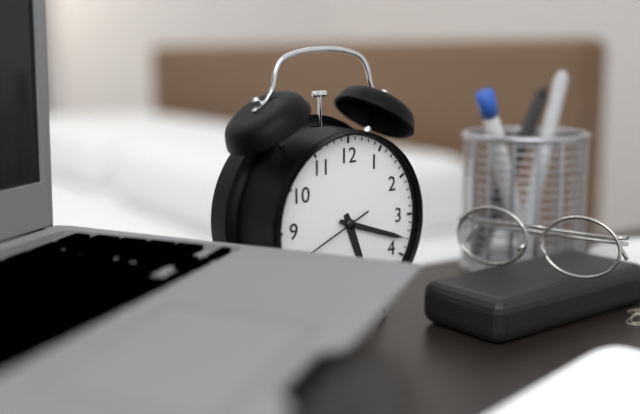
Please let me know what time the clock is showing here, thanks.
5:18
